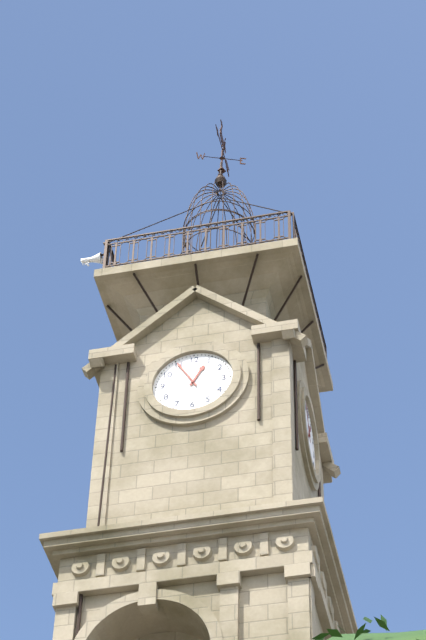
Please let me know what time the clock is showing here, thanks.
12:55
